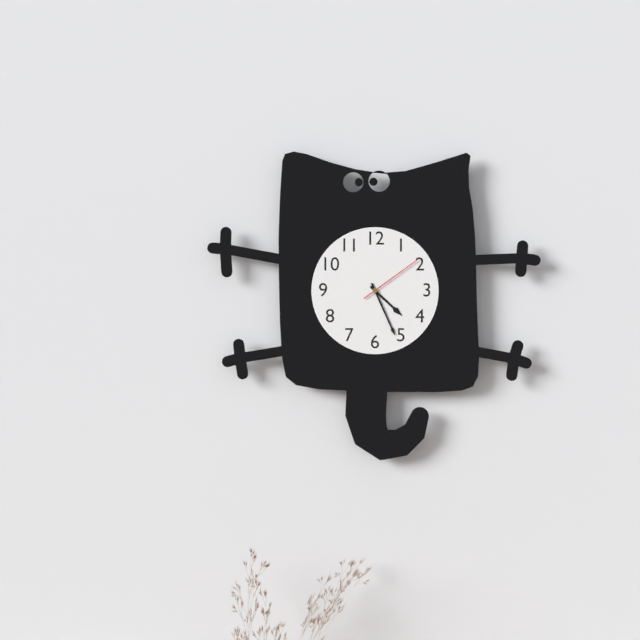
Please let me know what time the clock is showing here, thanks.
4:26:09
